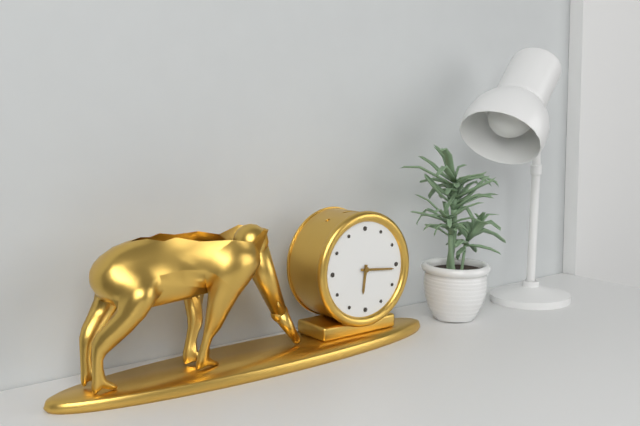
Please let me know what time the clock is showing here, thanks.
6:16
